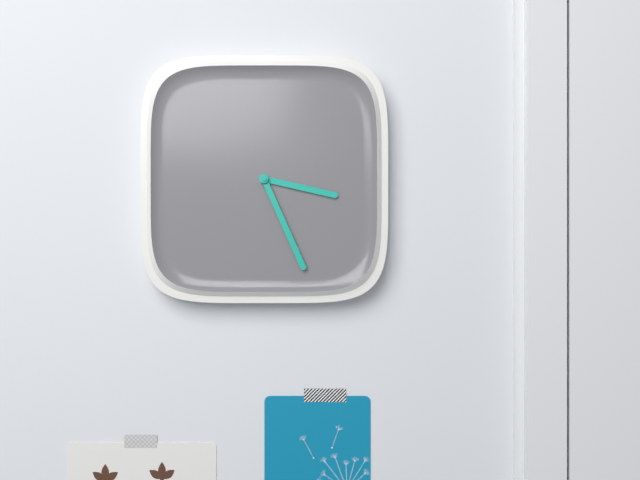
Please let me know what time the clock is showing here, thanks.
3:26
